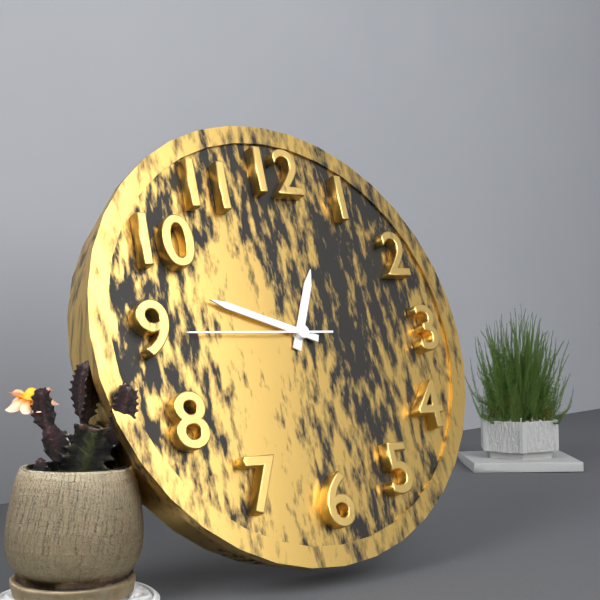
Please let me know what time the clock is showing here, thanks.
12:48:45
